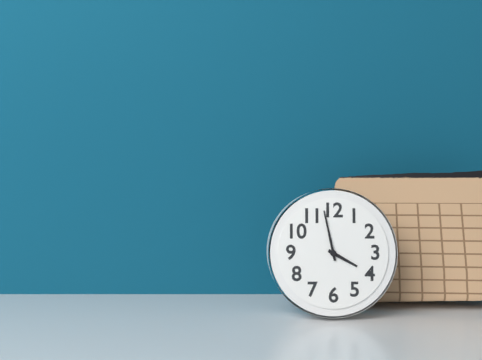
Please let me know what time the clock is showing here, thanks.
3:58
